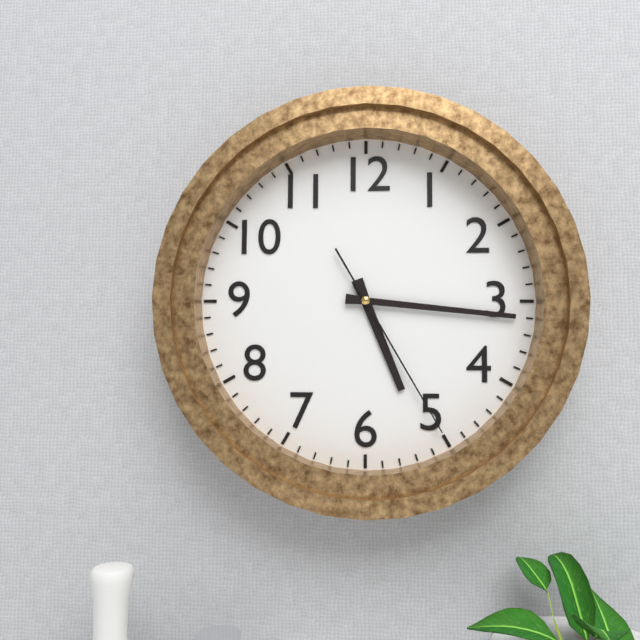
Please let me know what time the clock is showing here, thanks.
5:16:25
